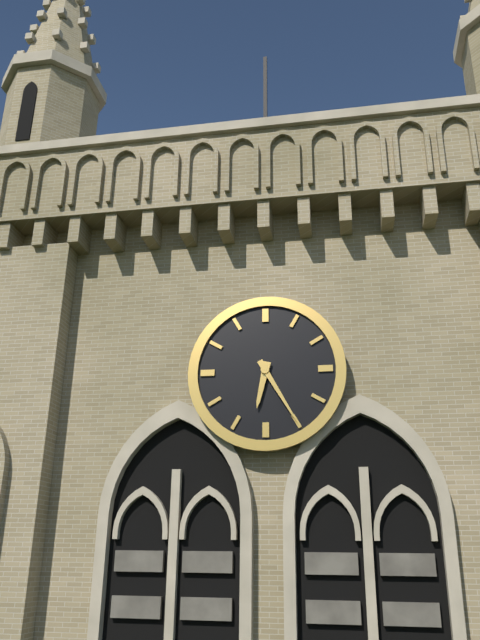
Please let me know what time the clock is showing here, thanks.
6:25
